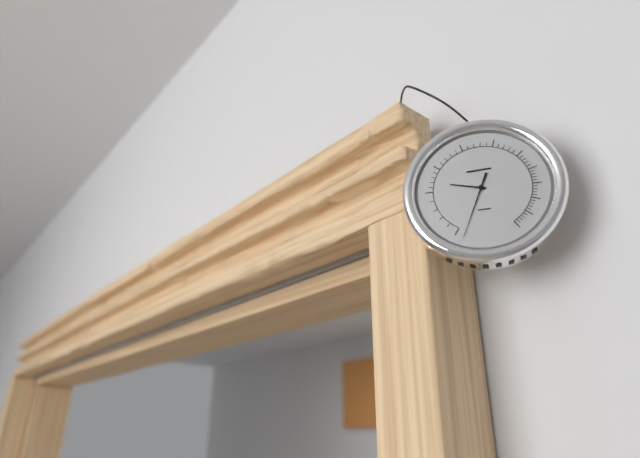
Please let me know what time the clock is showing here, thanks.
9:34
